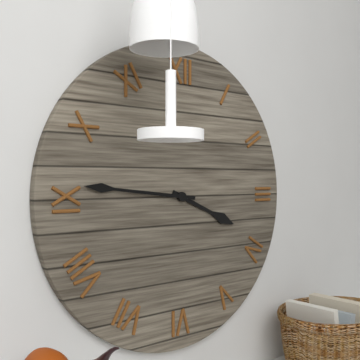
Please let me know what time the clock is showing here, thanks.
3:46
